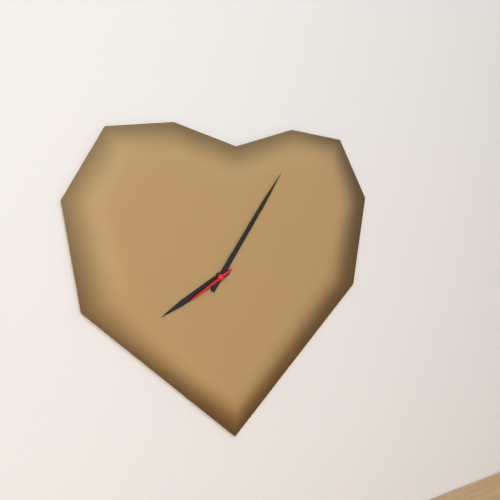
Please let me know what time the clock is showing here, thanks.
8:06
